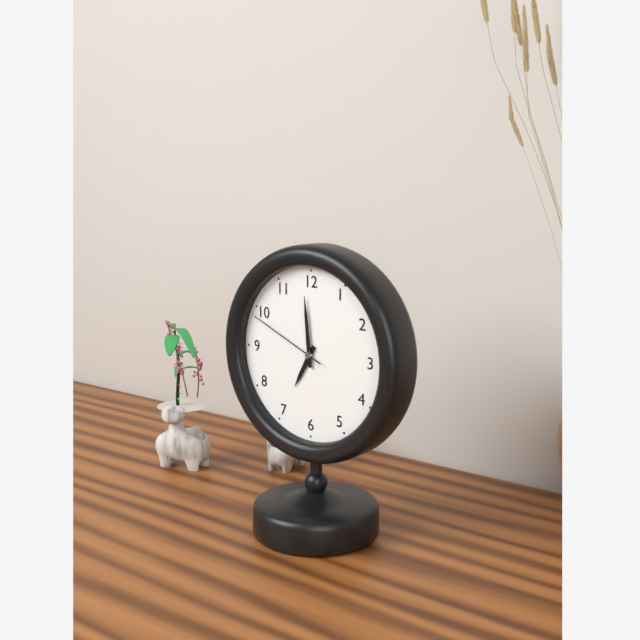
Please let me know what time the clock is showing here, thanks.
6:59:49
